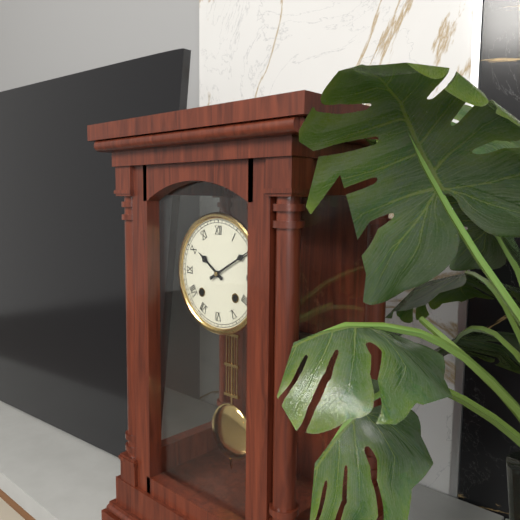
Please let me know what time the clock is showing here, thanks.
10:10
